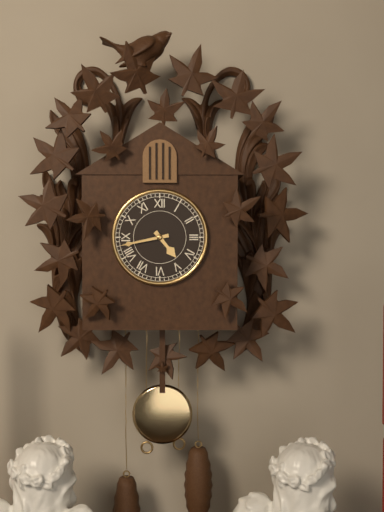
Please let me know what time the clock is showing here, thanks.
4:43
